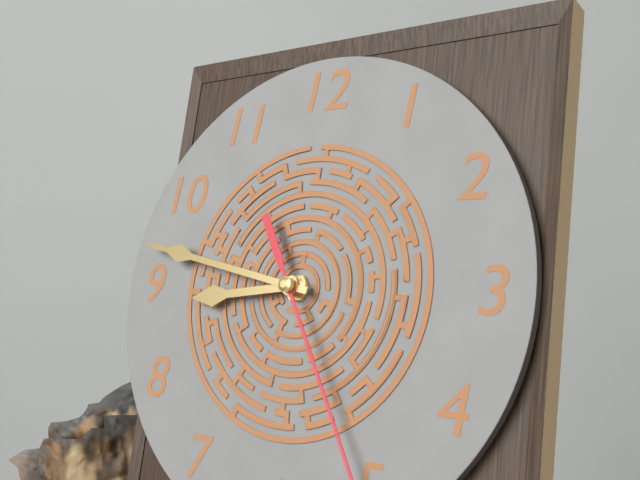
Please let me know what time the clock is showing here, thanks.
8:47
